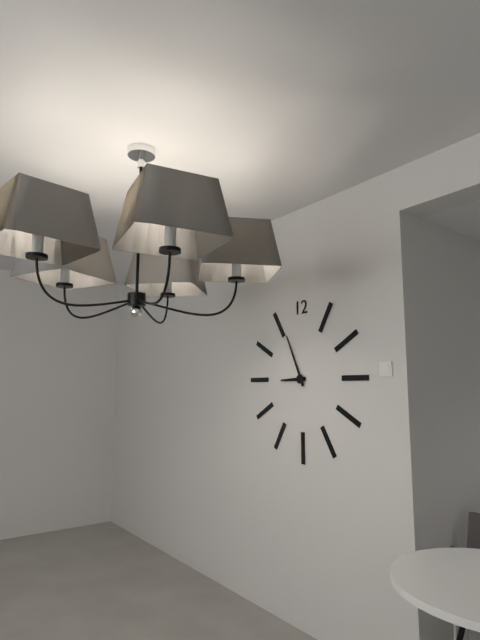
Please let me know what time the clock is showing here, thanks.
8:56
